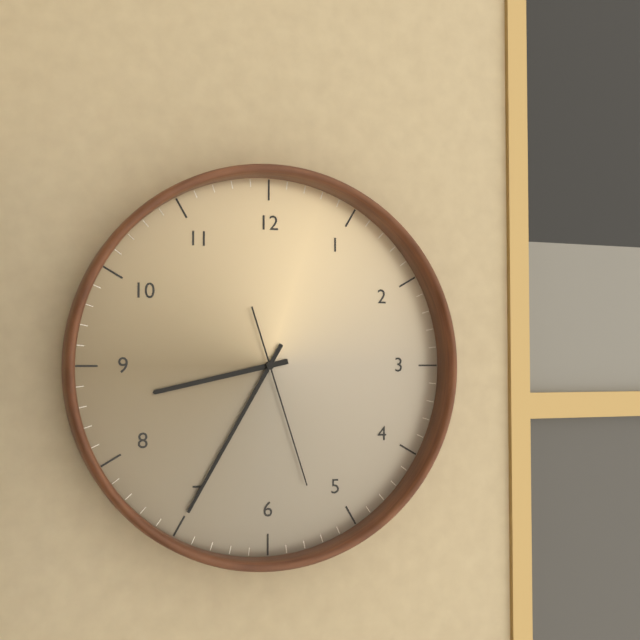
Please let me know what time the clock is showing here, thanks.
8:35:27
